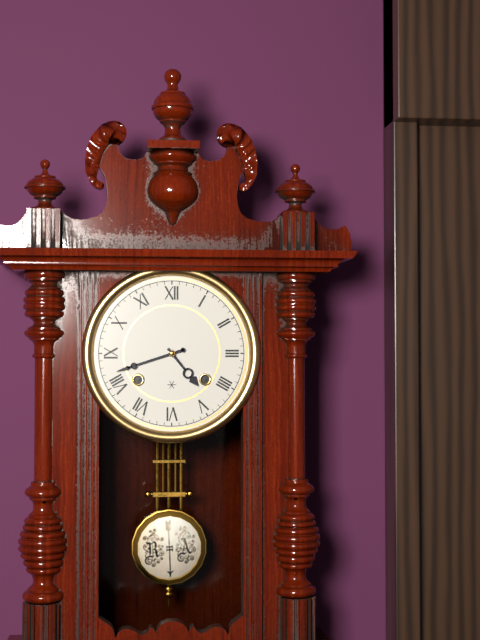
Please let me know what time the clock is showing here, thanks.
4:42
